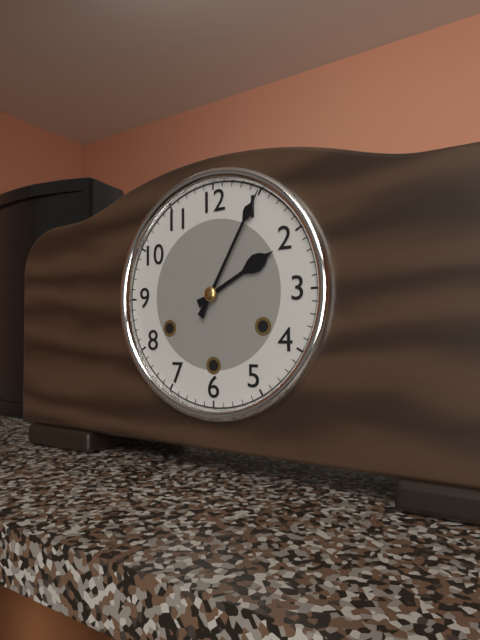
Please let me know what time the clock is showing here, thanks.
2:05
